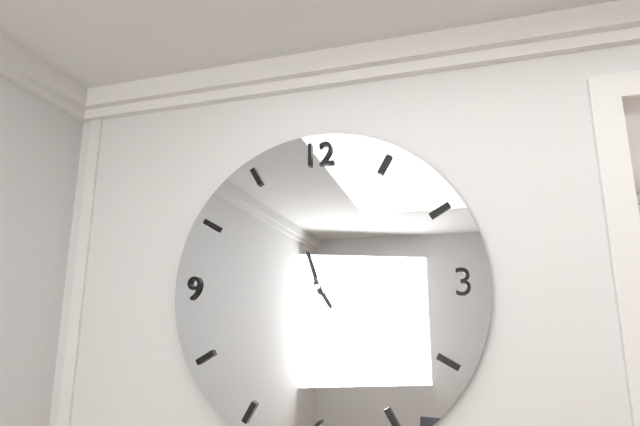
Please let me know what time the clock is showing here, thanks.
4:57
